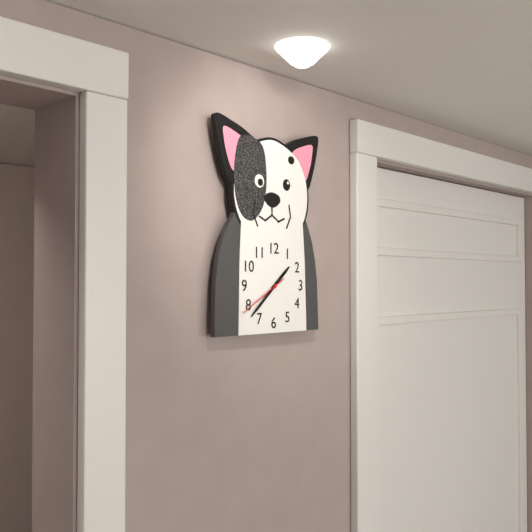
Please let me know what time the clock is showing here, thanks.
1:38
